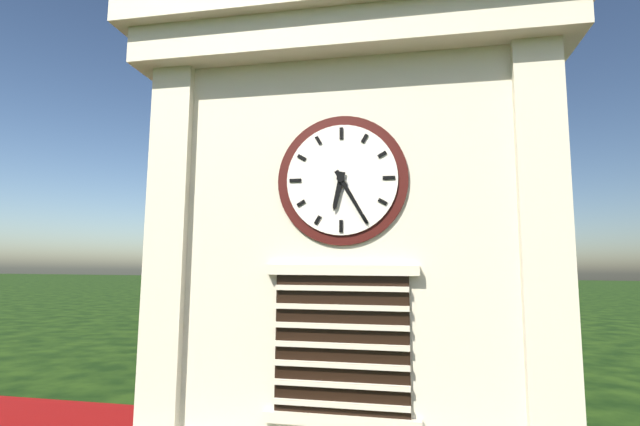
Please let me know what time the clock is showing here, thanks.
6:25
